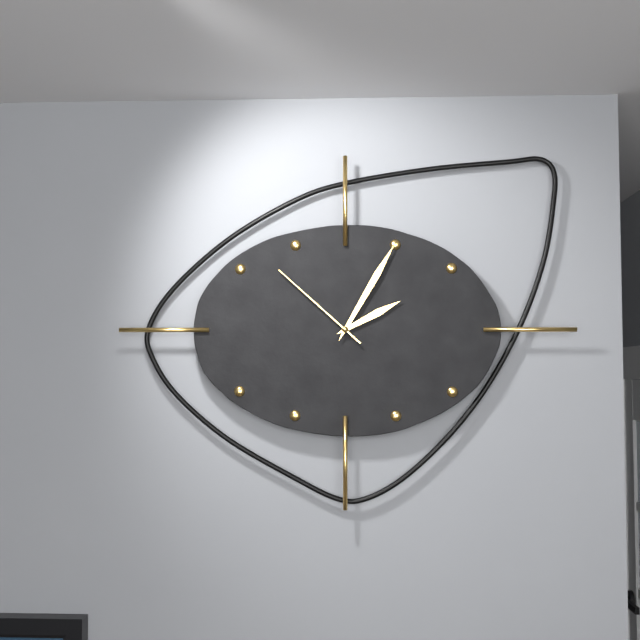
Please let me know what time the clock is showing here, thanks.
2:05:52
